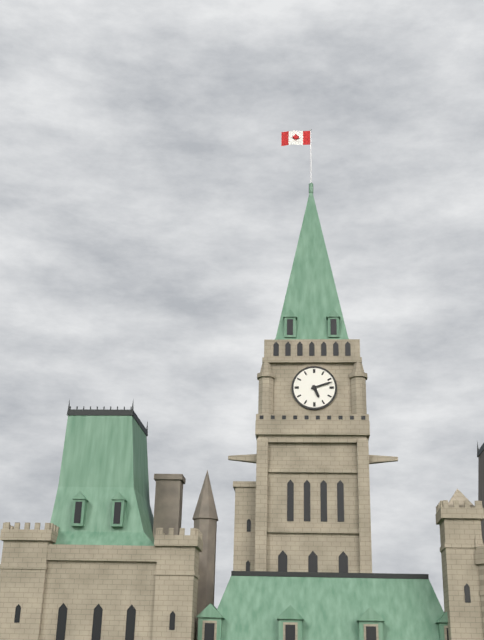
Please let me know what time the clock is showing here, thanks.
5:12
